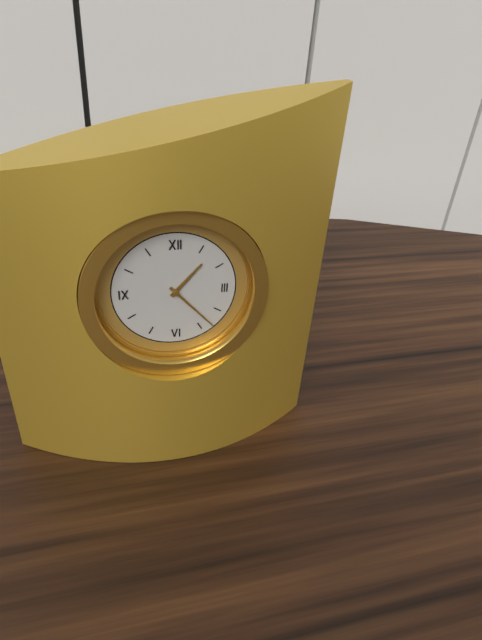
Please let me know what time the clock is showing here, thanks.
1:23
